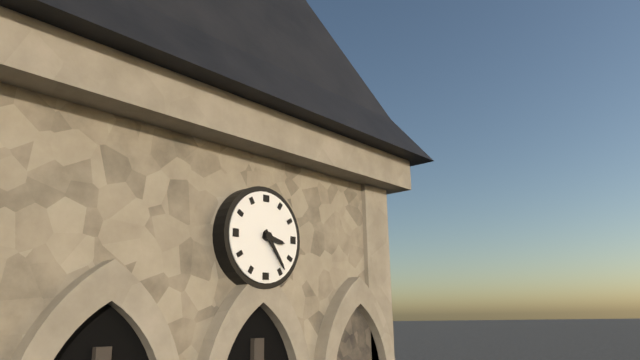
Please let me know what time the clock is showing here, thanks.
3:24
